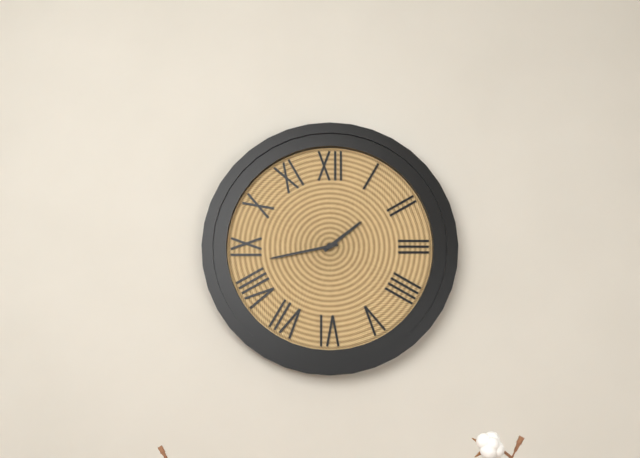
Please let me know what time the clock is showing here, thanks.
1:43
